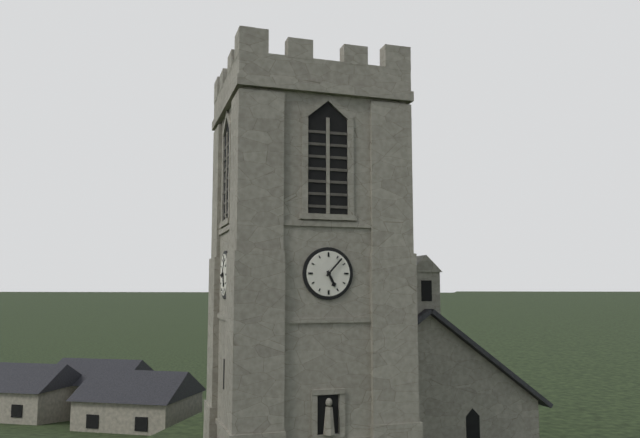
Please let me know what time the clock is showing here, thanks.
5:07
